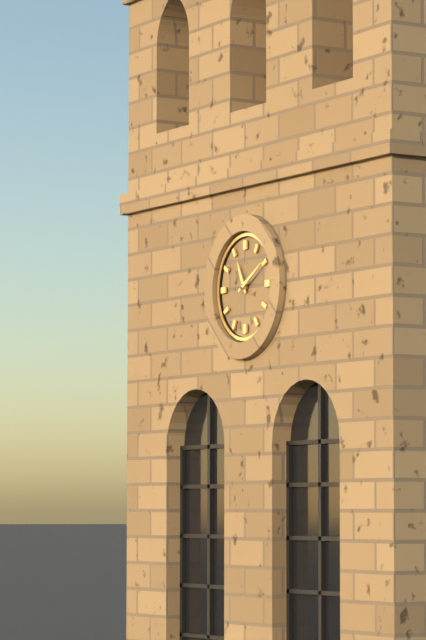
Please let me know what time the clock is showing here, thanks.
11:10
